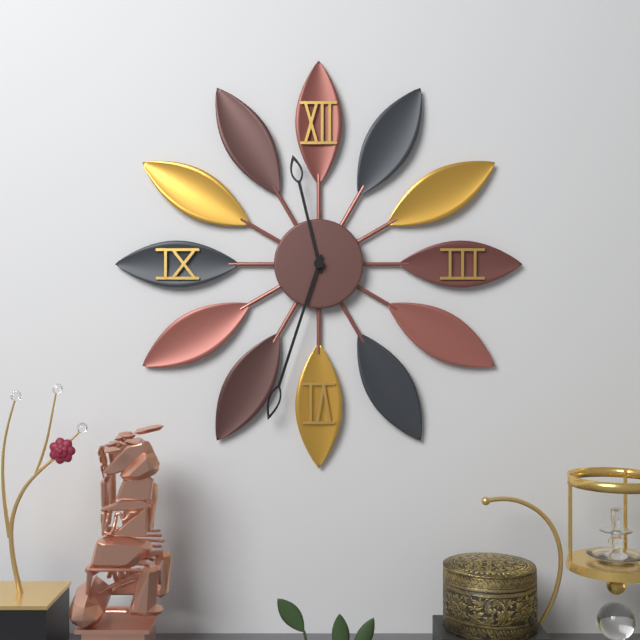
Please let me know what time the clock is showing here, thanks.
11:33
